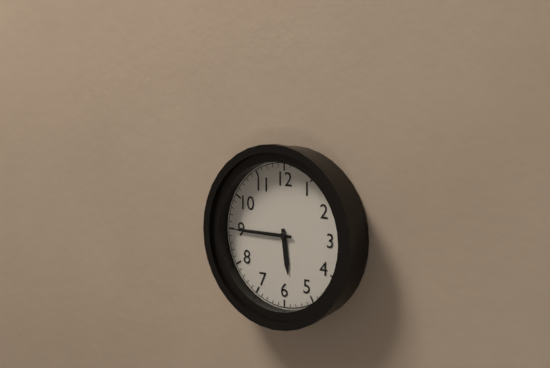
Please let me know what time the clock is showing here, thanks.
5:45
